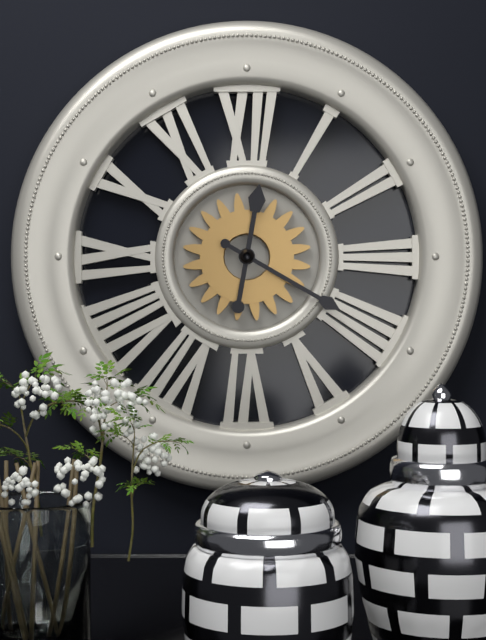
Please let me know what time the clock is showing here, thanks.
12:20
